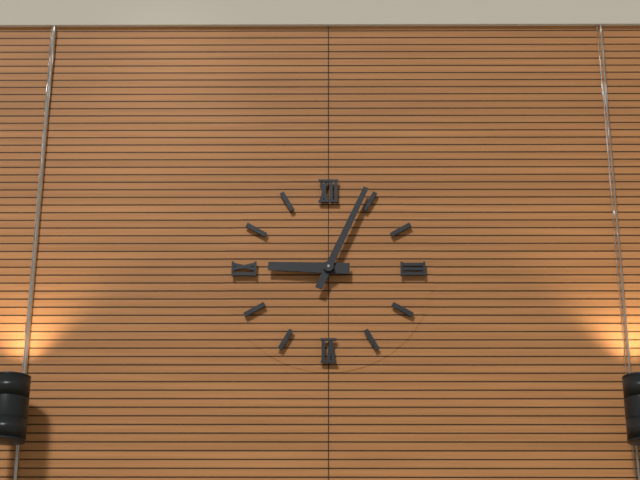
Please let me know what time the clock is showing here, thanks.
9:04
